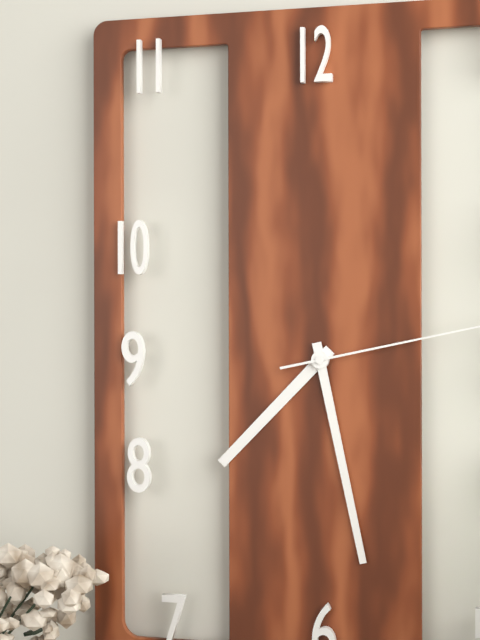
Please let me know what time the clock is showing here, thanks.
7:28
